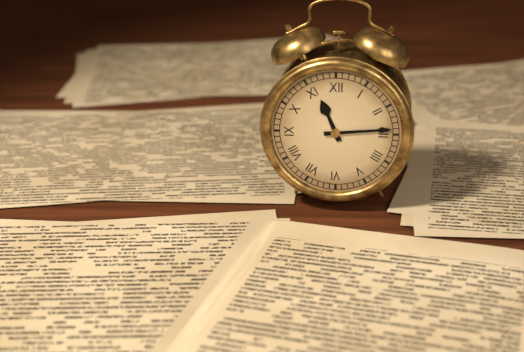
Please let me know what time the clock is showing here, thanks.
11:14
